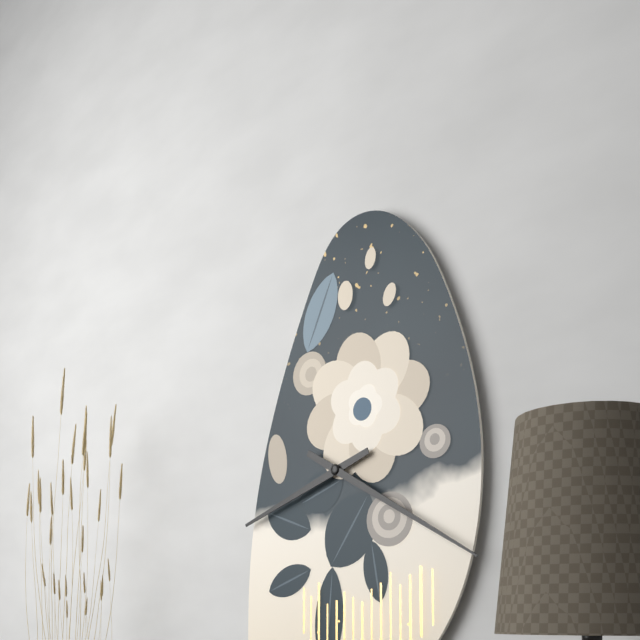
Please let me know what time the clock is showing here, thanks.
8:20
